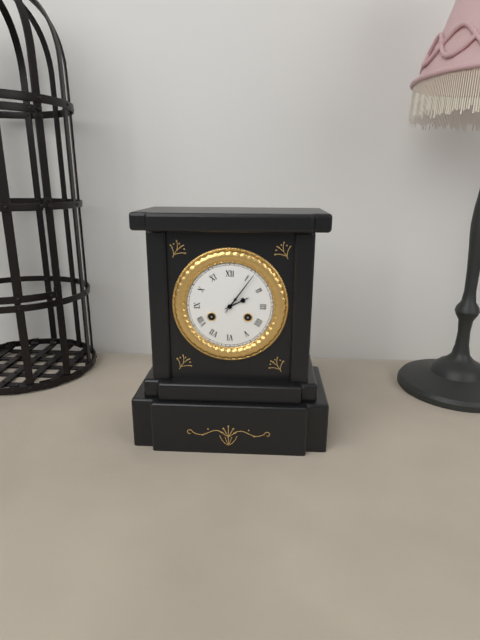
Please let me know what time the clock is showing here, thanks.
2:06
